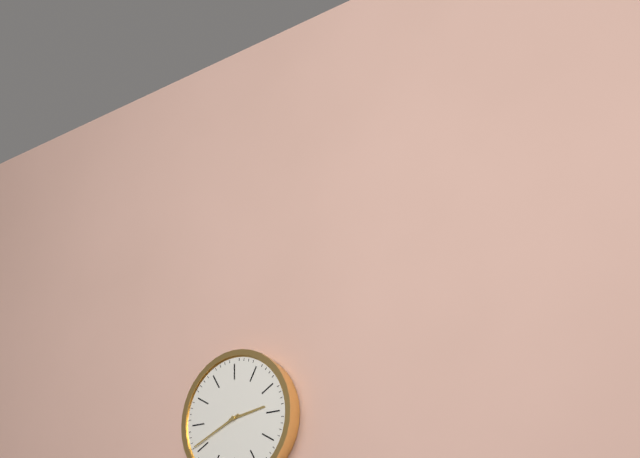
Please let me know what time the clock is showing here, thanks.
2:41
